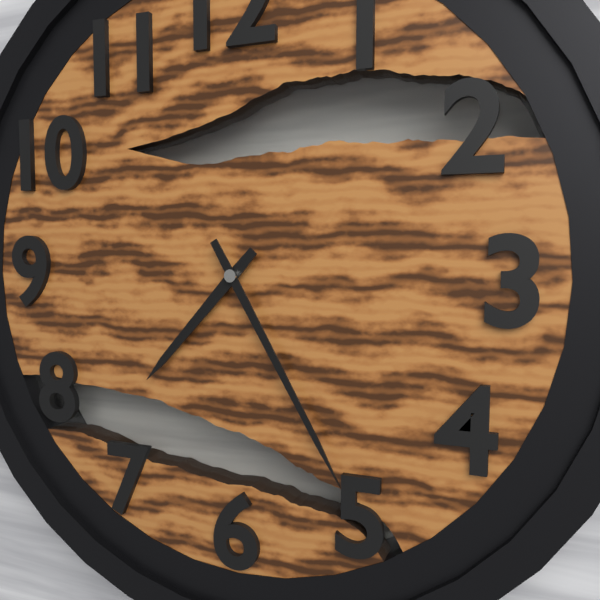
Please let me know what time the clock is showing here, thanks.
7:25
